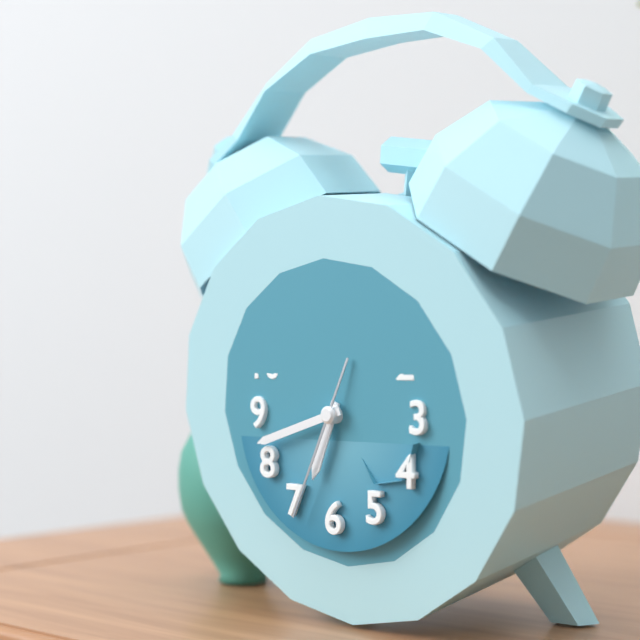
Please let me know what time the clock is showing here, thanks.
6:42:34
